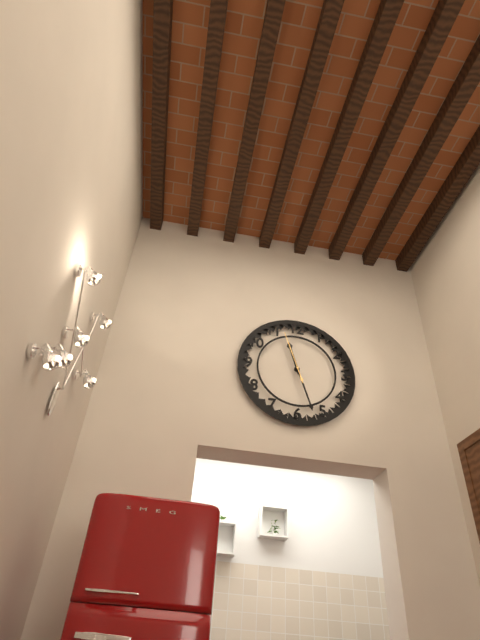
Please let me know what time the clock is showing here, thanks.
11:27
